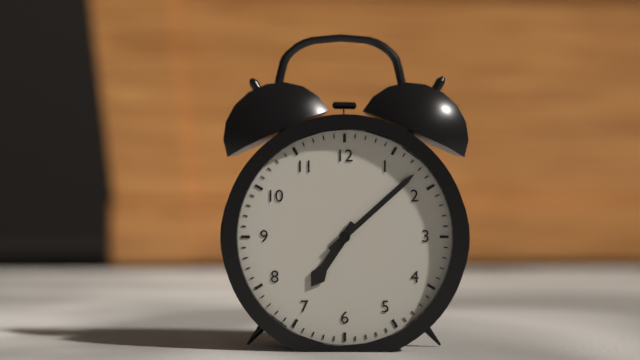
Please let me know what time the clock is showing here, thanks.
7:08
